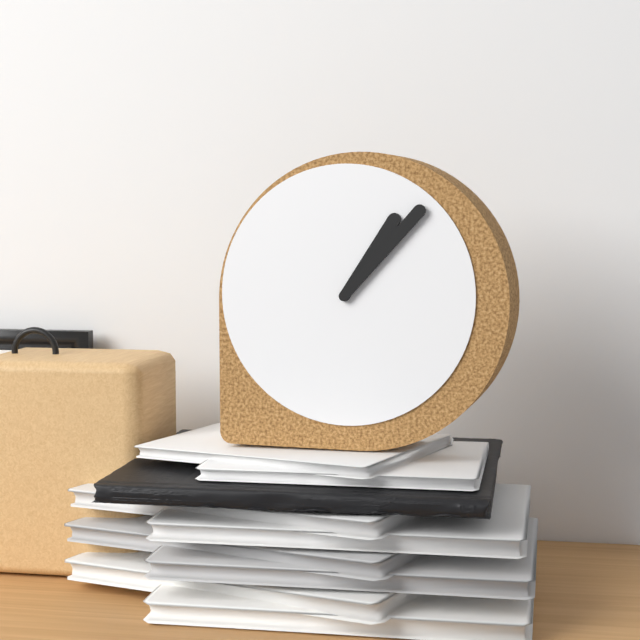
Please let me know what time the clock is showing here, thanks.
1:07
